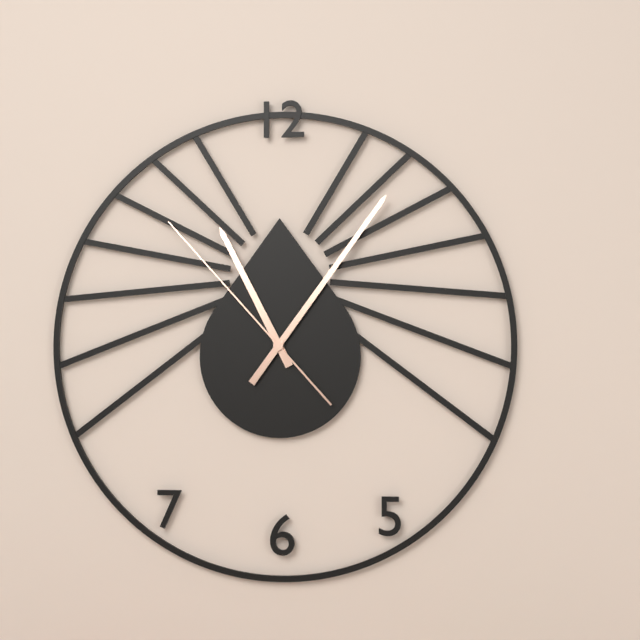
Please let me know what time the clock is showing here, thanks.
11:06:53
